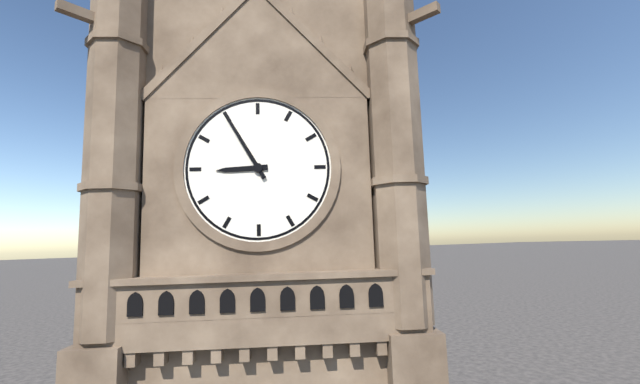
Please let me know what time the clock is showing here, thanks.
8:55
